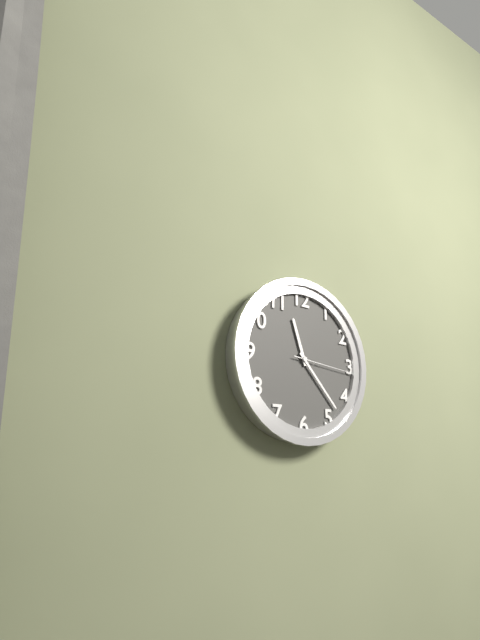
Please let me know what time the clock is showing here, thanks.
11:23:16
